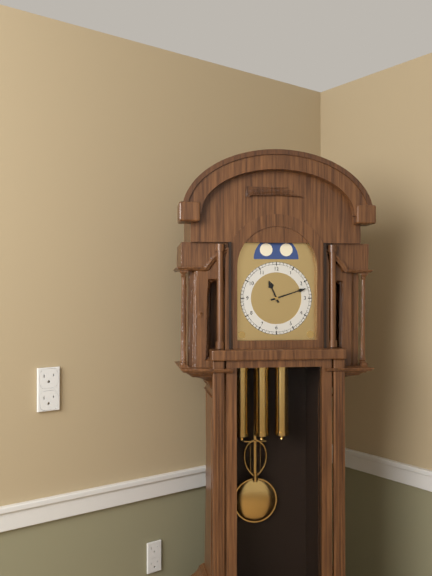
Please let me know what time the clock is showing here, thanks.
11:12
